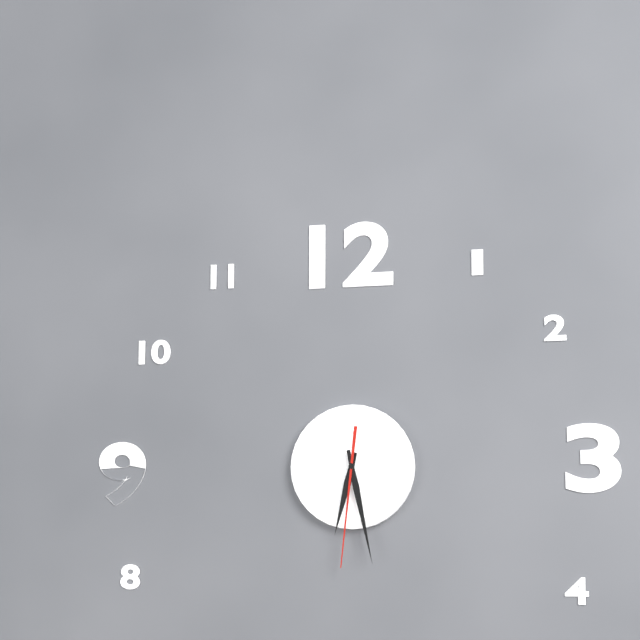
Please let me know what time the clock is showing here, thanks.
6:28:31
